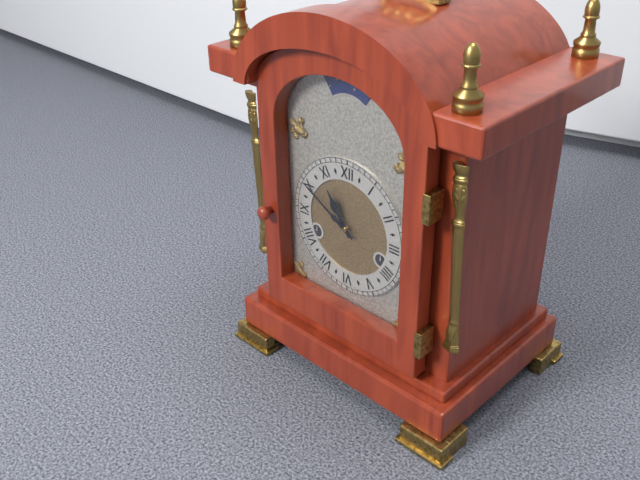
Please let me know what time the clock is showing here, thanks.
10:50
